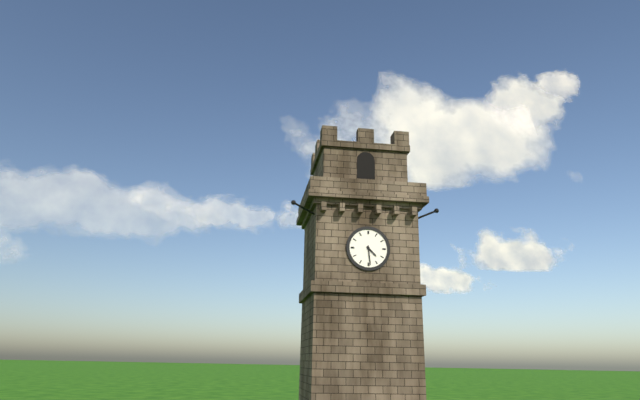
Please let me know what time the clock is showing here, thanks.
4:29
